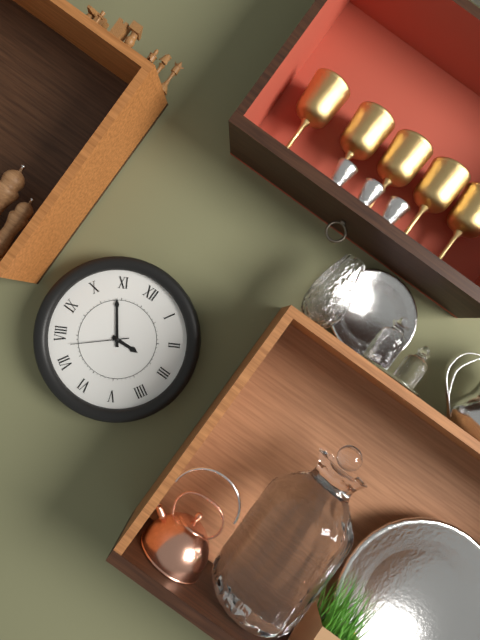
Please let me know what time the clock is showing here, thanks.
2:54:38
